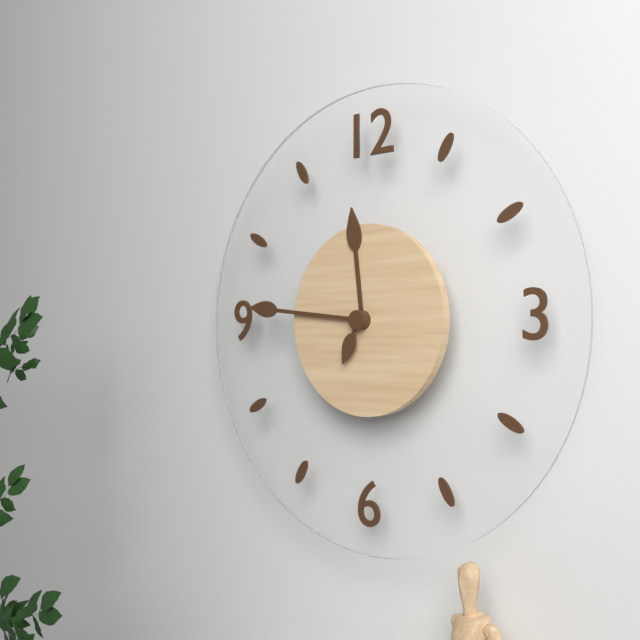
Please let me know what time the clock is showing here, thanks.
11:46:34
